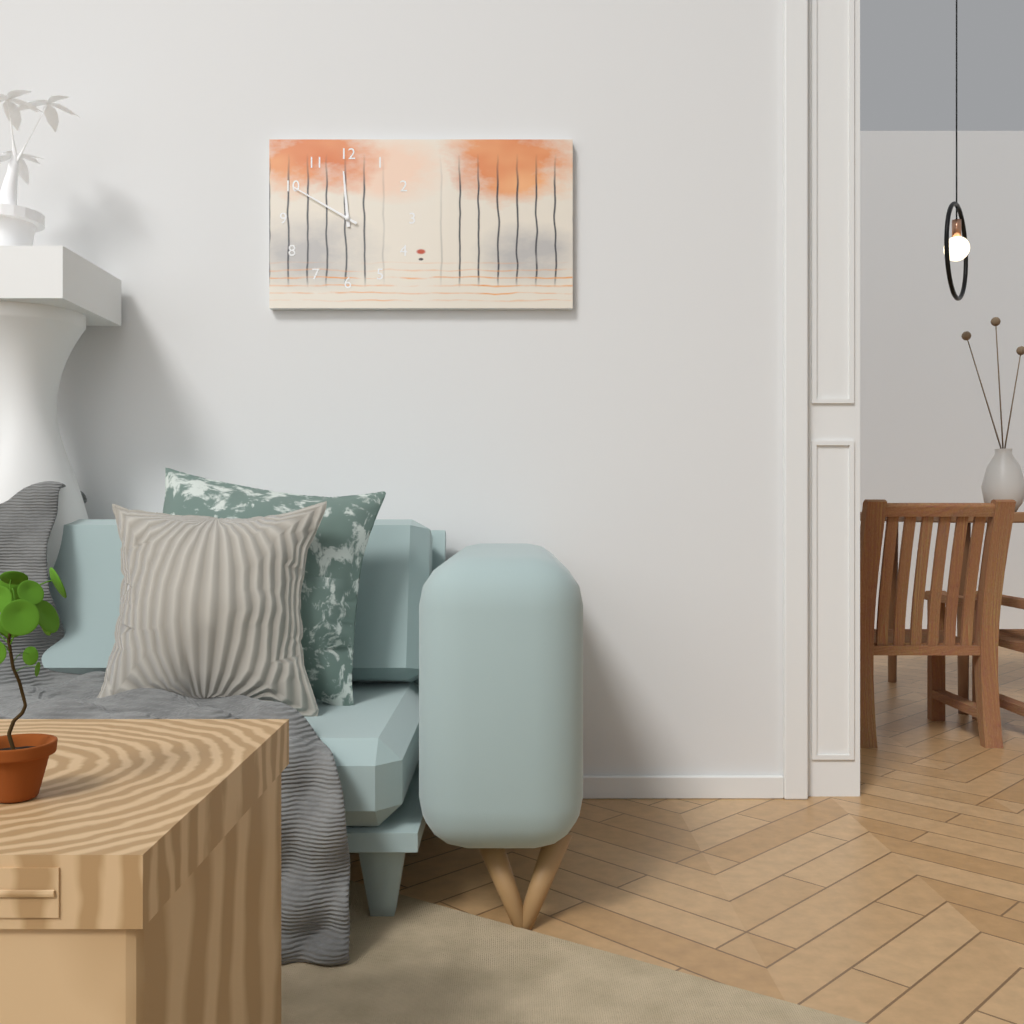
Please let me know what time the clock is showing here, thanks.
11:50
